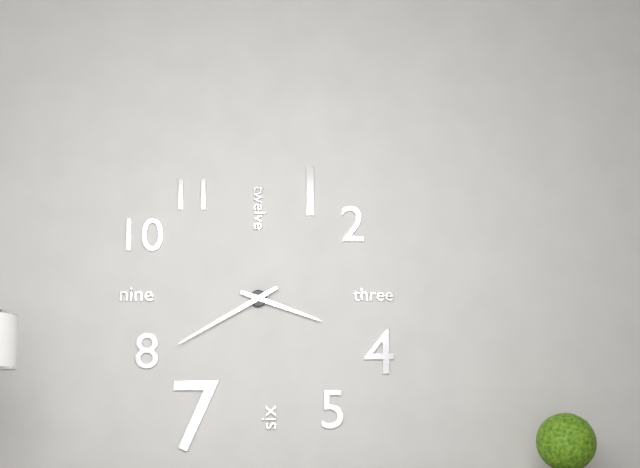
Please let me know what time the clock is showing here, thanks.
3:40
